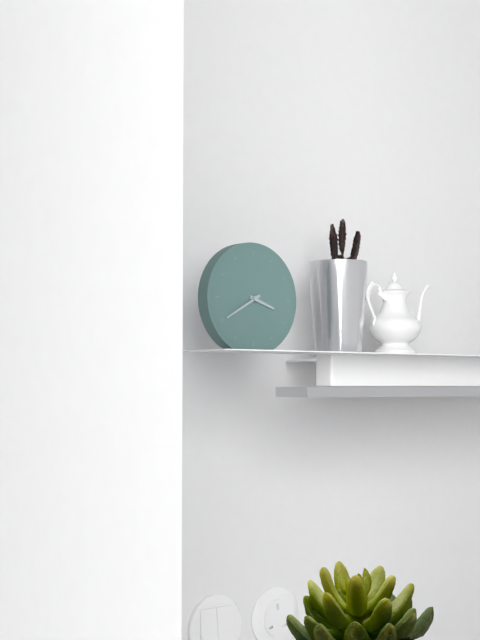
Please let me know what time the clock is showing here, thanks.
3:40
